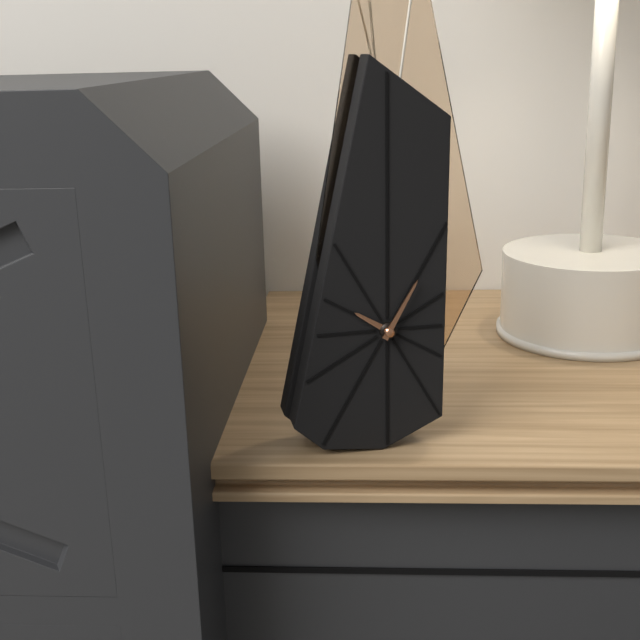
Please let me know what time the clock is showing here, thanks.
10:05
